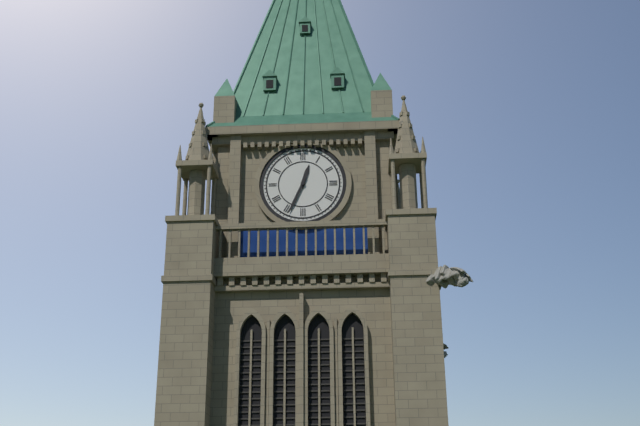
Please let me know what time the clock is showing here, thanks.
12:34
